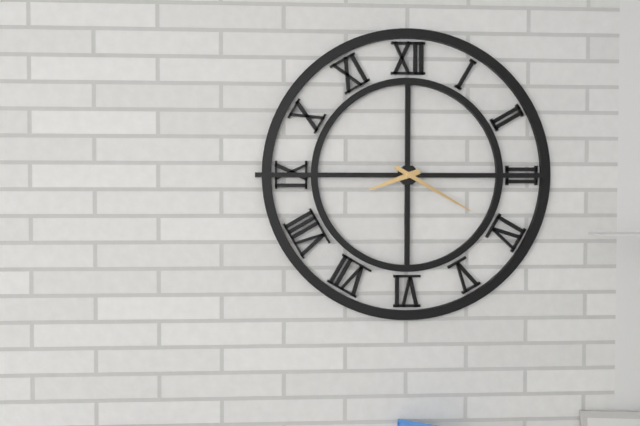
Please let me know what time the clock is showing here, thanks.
8:20
